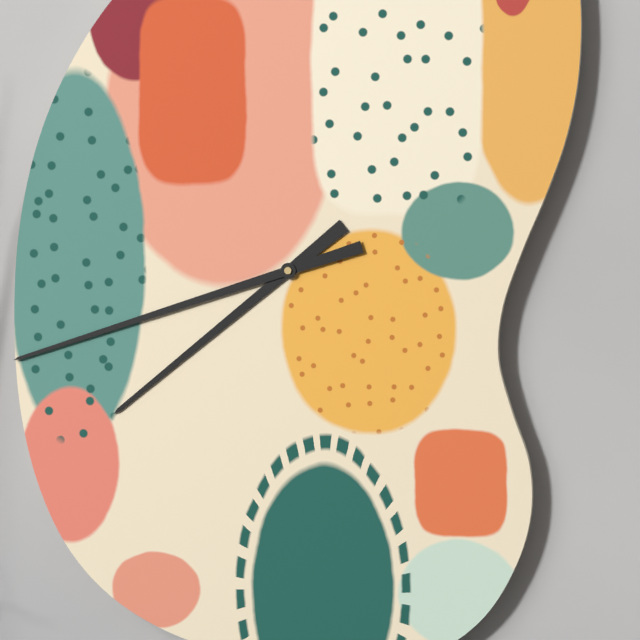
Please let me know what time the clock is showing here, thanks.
7:42
